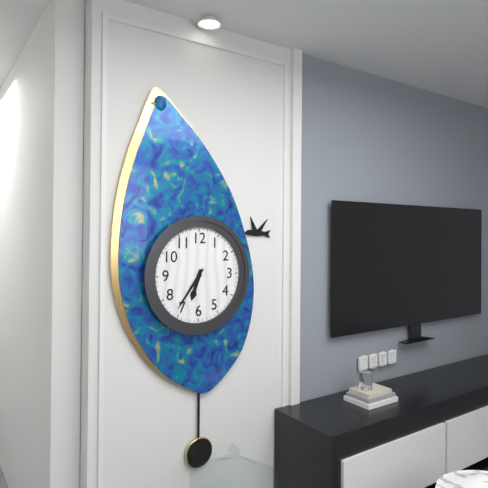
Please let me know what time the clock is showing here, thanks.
6:36
